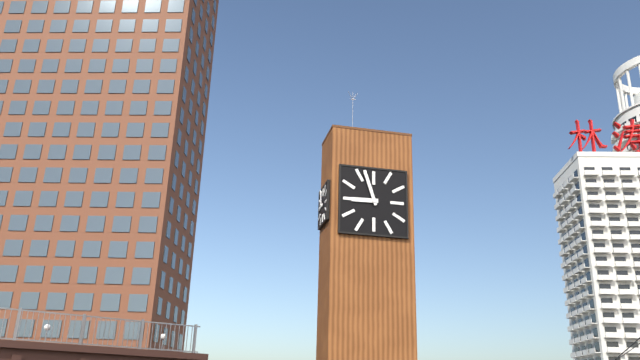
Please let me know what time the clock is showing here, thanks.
8:57
